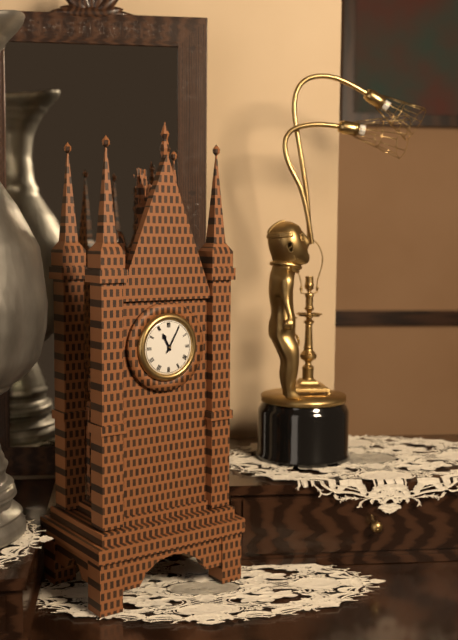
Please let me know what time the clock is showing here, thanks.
11:05
